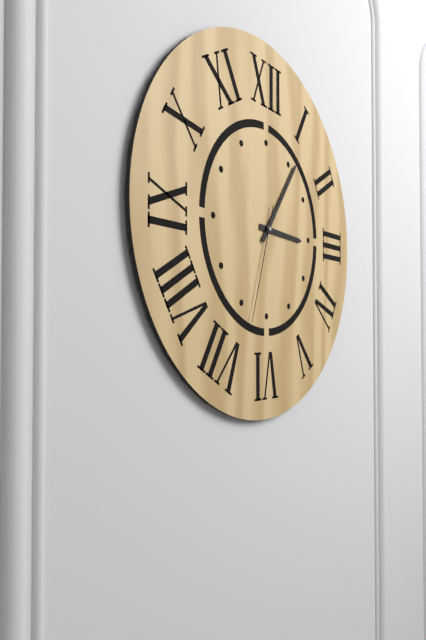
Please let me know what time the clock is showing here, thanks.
3:06:33
